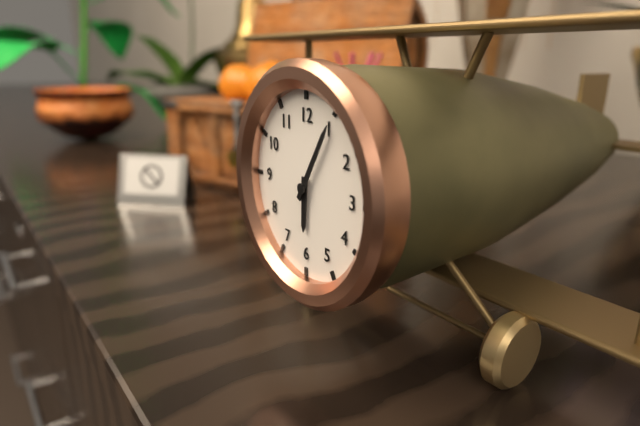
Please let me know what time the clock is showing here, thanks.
6:05
